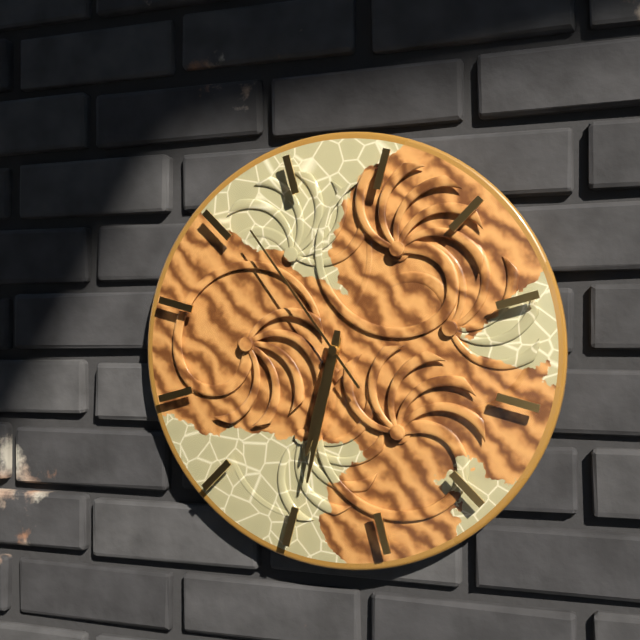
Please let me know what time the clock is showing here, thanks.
6:32:54
